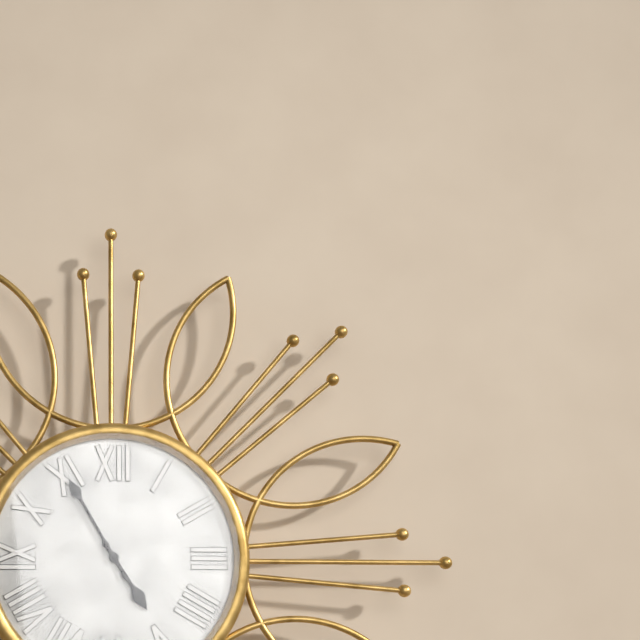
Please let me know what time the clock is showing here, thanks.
4:55
